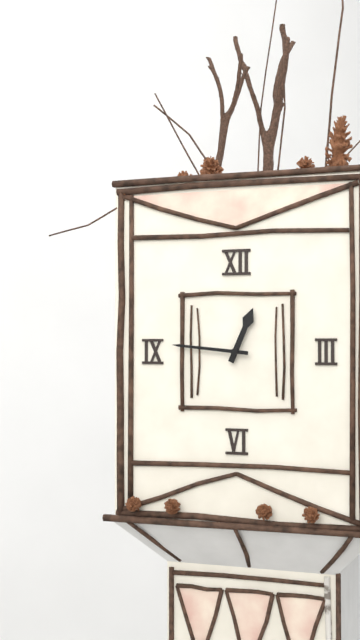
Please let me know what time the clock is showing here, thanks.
12:46
